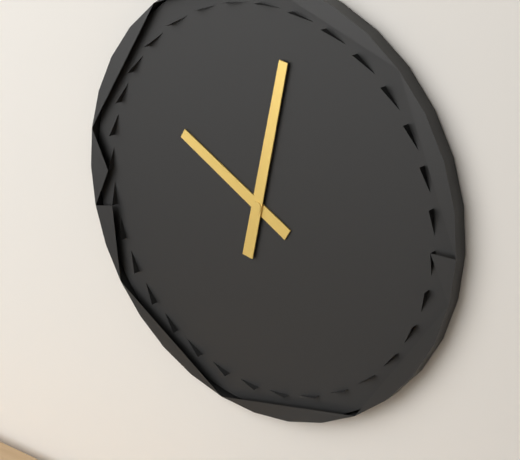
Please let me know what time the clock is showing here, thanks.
10:02
